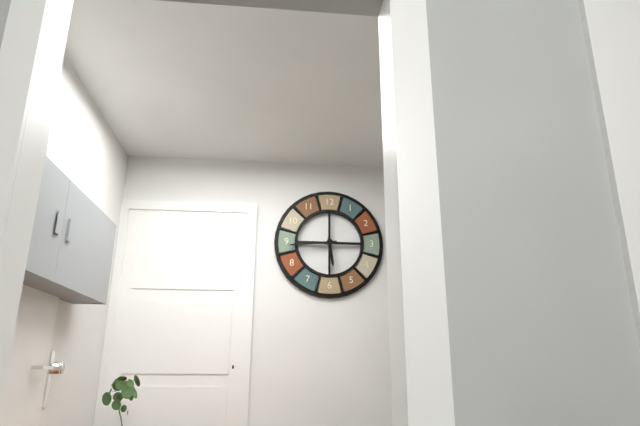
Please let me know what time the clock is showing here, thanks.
5:44
